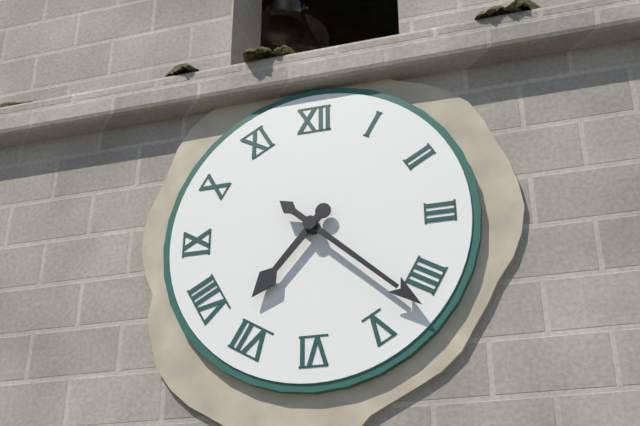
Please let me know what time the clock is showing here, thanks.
7:22
